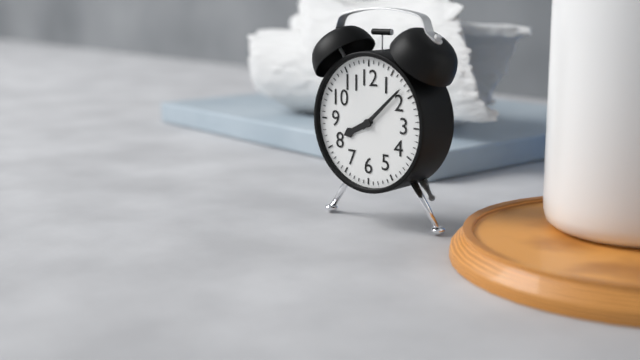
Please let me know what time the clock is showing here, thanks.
8:08
